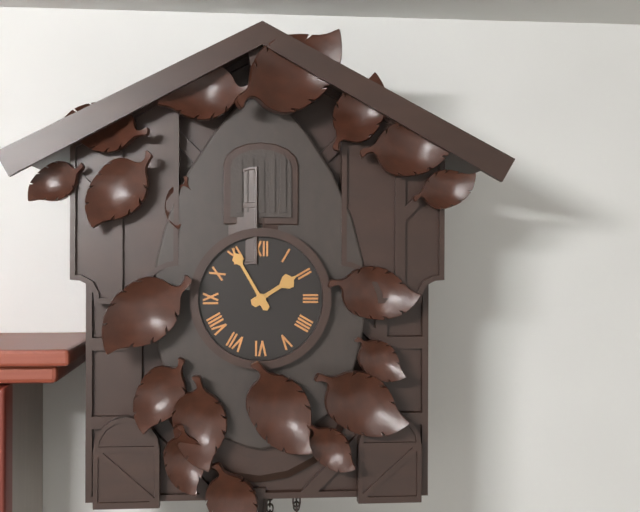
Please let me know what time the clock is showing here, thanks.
1:55
